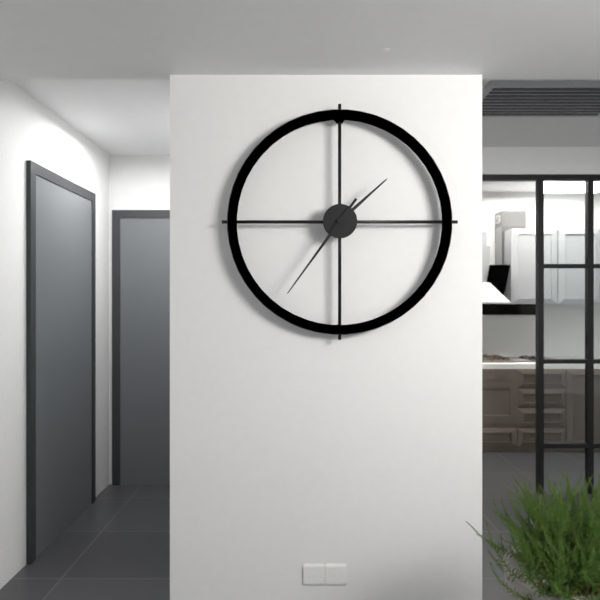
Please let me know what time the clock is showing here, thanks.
1:36
